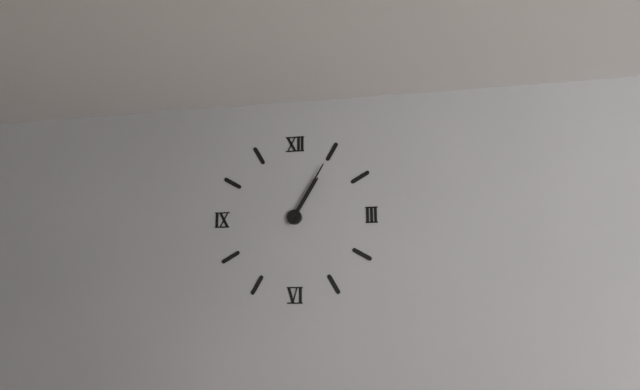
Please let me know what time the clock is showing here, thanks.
1:05
